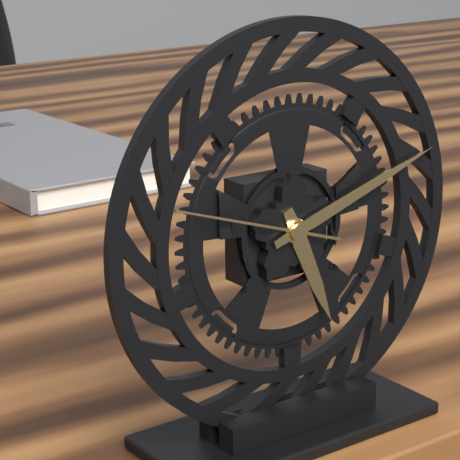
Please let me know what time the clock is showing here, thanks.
5:12:48
